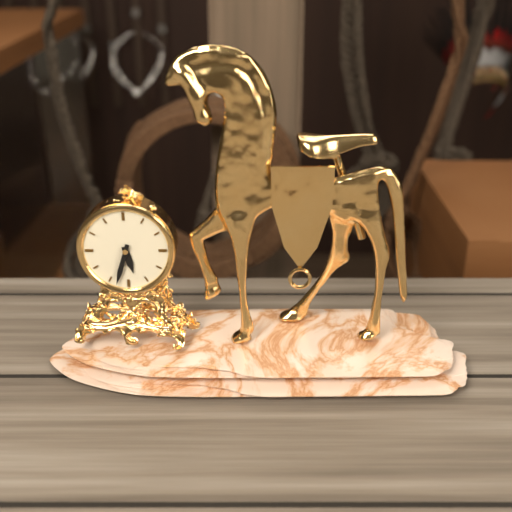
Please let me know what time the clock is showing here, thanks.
5:33
